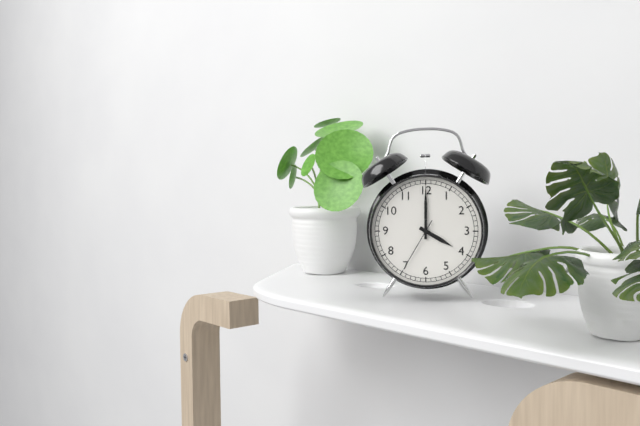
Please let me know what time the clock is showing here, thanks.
4:00:35
